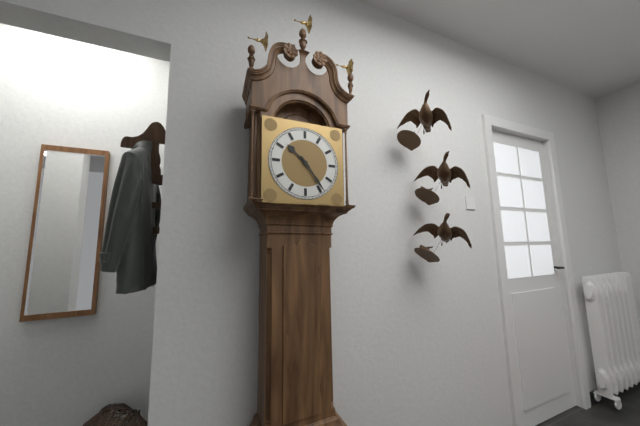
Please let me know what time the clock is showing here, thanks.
10:24
